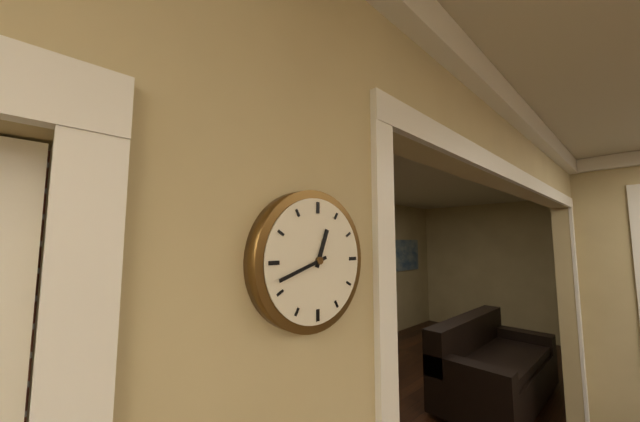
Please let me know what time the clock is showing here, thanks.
12:42
